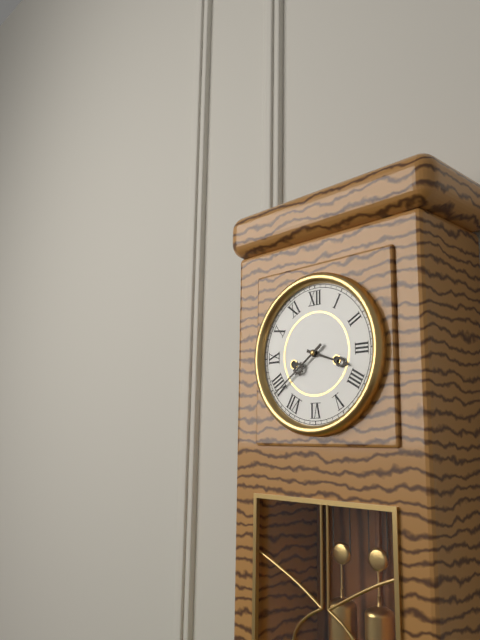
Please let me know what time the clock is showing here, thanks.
3:39
